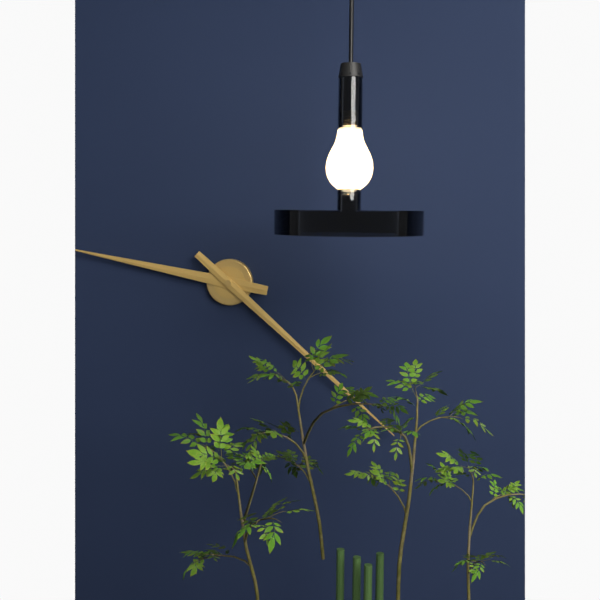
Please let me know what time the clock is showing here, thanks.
9:22
